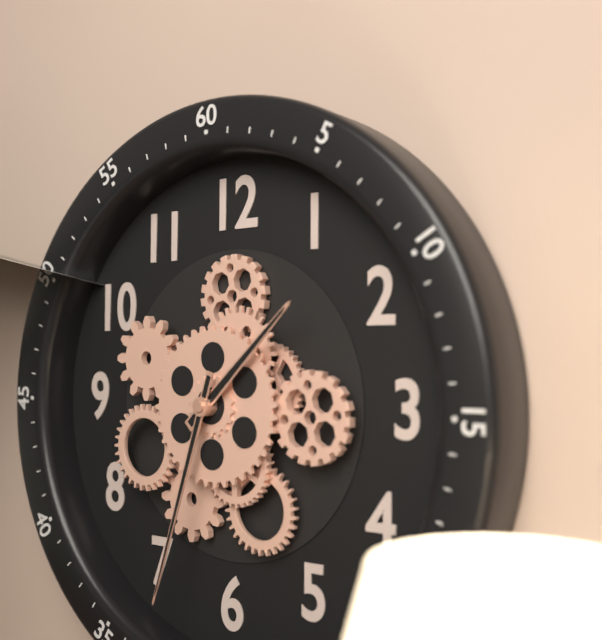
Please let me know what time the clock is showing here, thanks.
1:33
